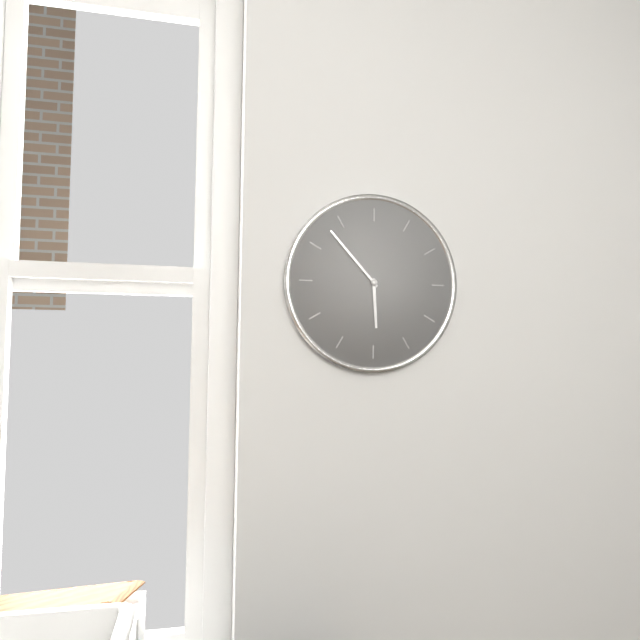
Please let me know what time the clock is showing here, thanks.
5:53
